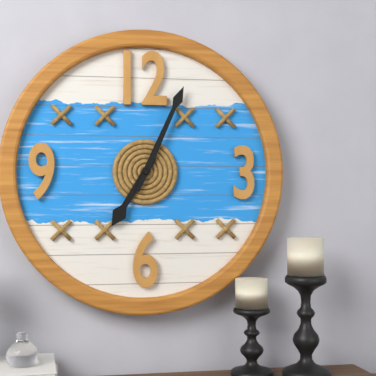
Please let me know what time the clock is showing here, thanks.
7:04
